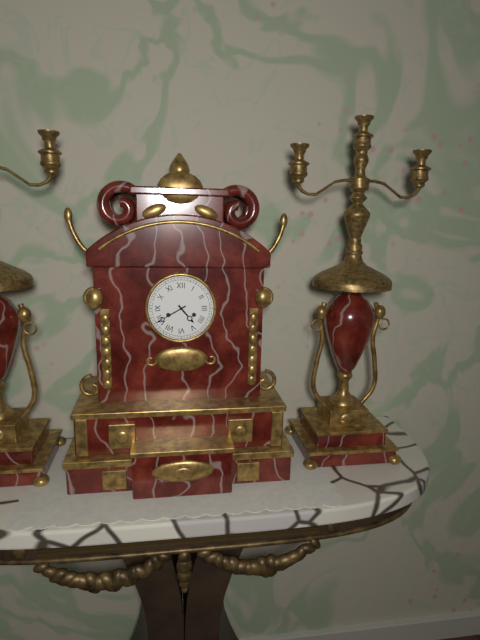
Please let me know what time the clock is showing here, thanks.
4:40
